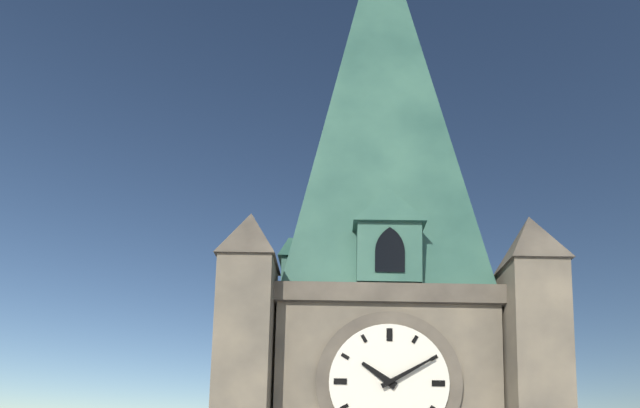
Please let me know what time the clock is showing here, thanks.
10:10
